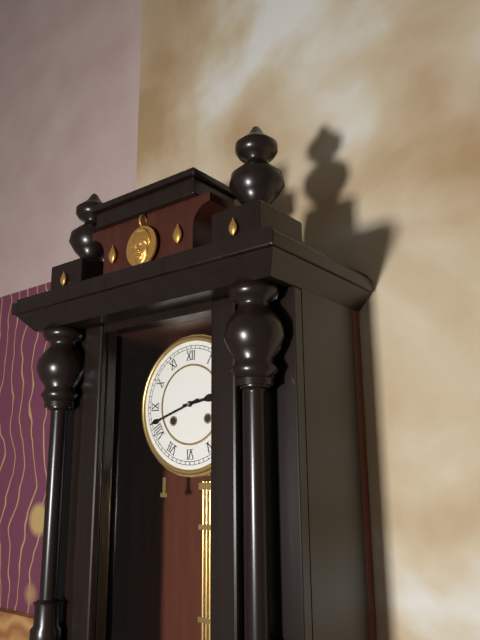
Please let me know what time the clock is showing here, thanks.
2:42
